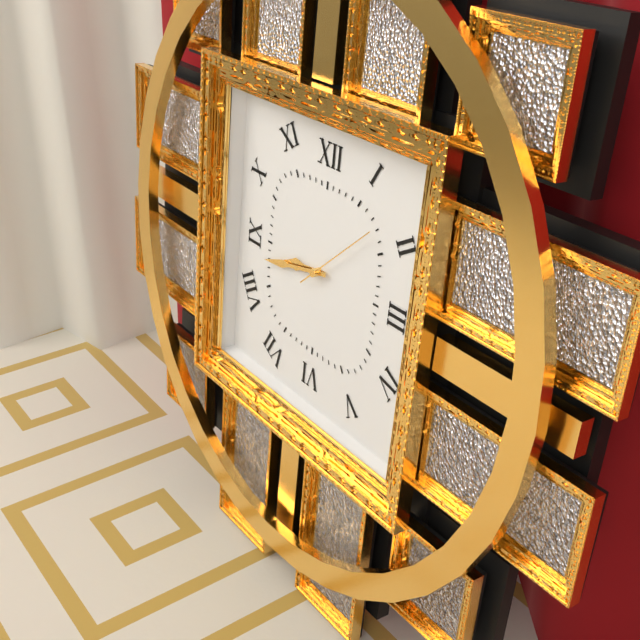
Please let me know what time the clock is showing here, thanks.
8:43:08
